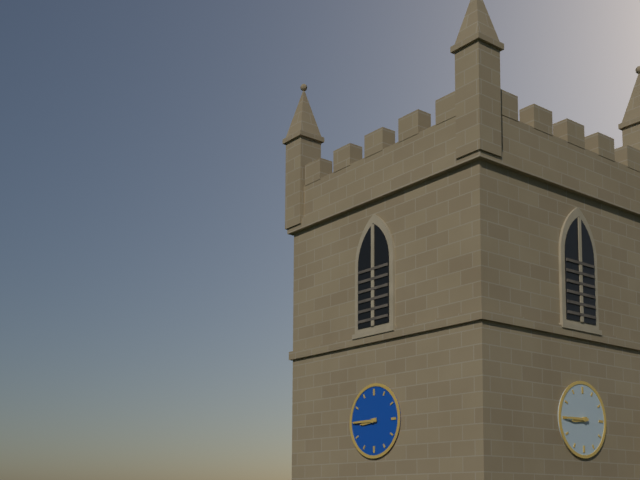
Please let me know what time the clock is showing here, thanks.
8:45
